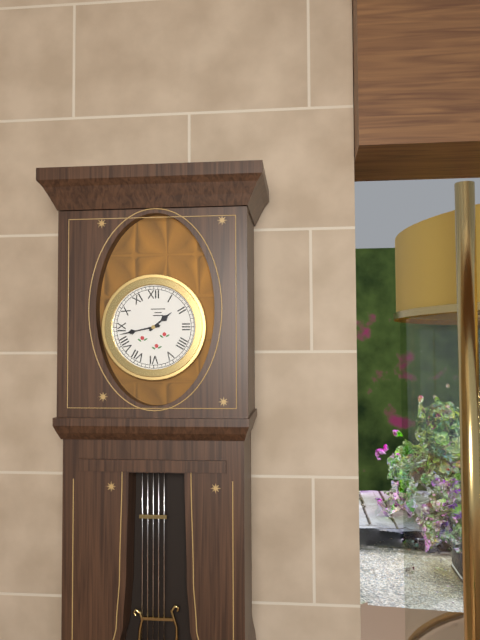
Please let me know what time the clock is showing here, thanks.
1:43
